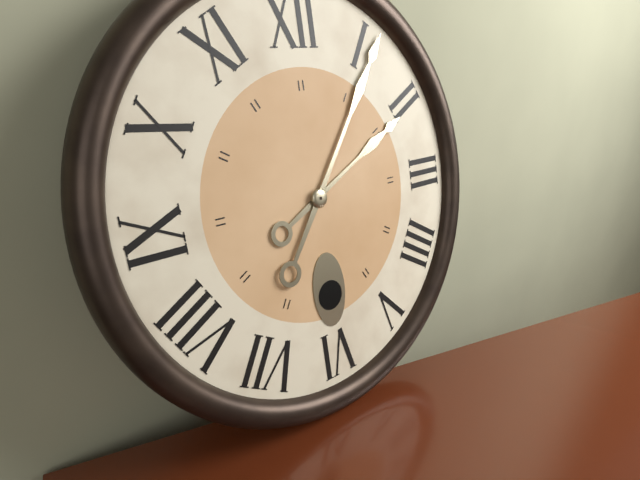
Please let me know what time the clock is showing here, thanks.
2:06
